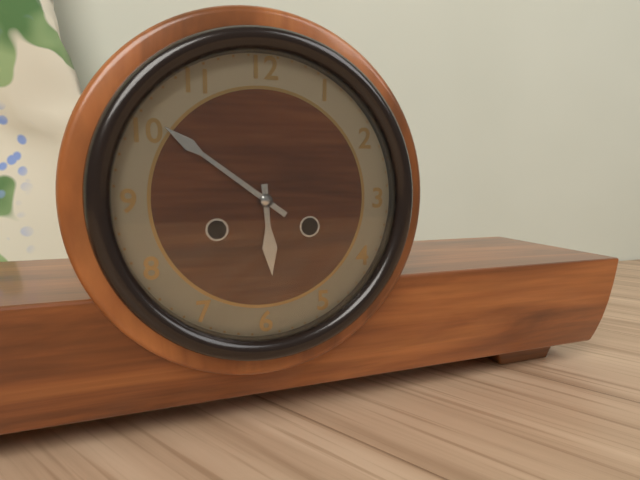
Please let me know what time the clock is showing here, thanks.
5:51
